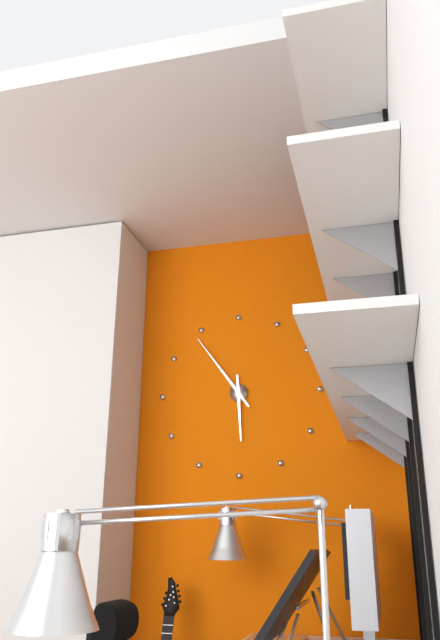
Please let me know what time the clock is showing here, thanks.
5:54
